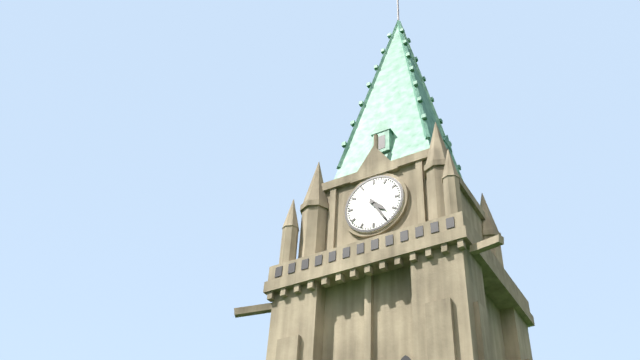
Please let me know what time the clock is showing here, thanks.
4:25
